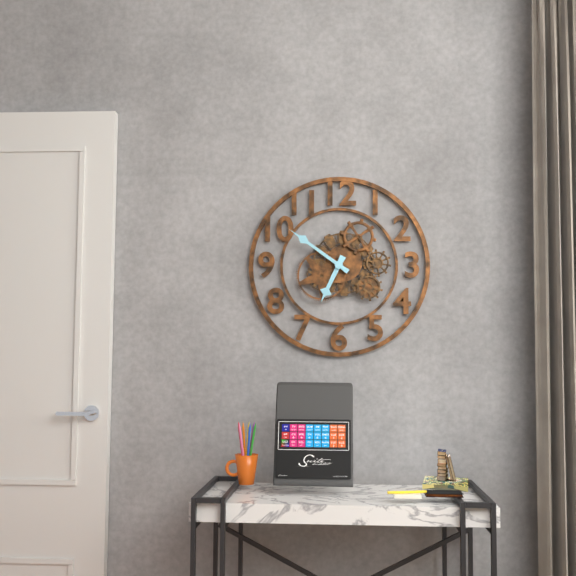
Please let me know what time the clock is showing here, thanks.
6:51
